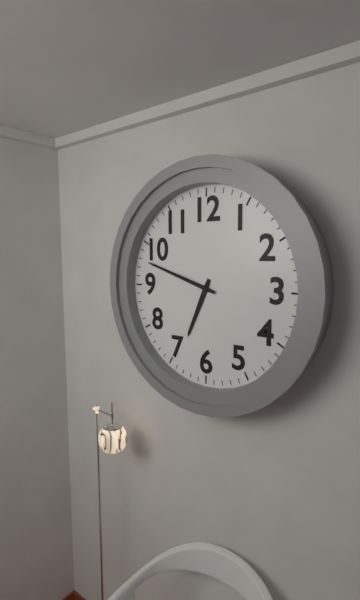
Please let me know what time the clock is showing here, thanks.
6:48
